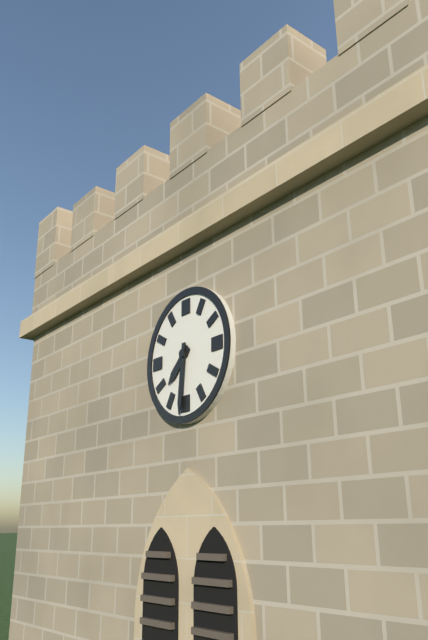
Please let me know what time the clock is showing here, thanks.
7:31
